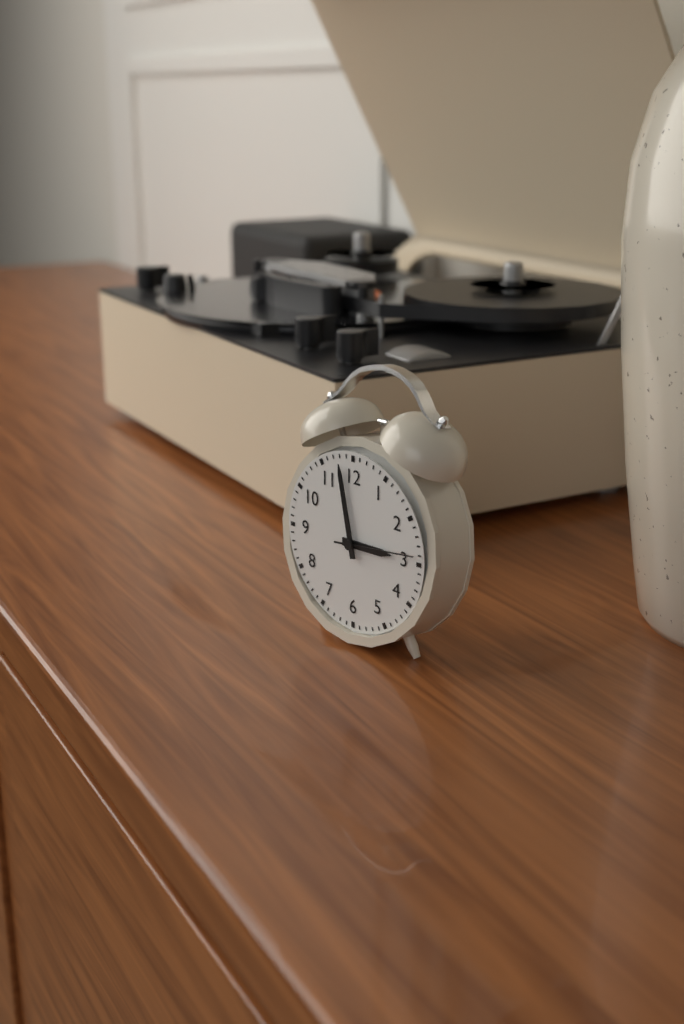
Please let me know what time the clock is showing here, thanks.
2:58:14
